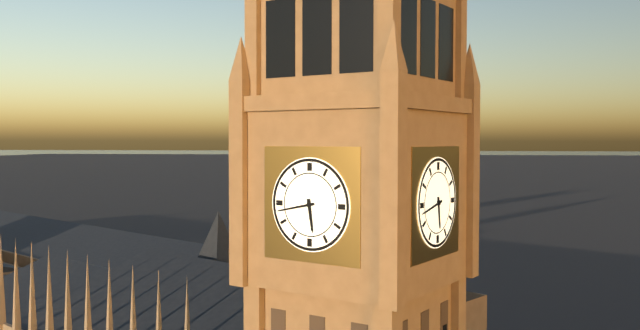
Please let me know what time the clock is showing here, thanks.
5:43
